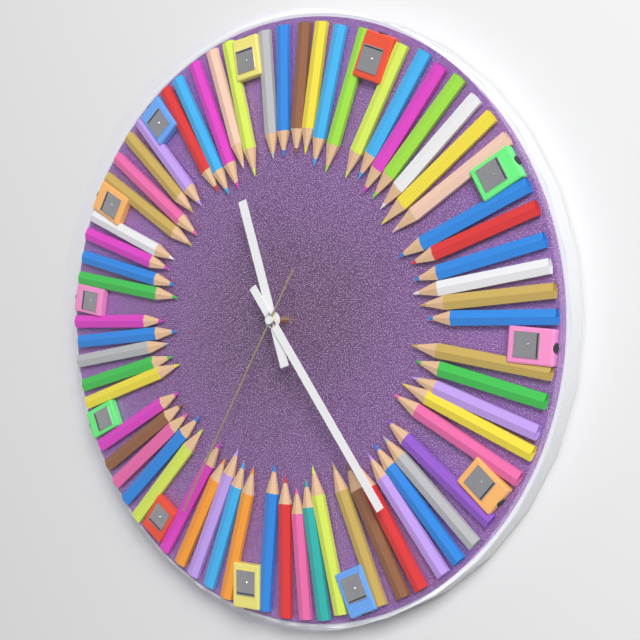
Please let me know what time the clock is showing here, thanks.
11:24:35
